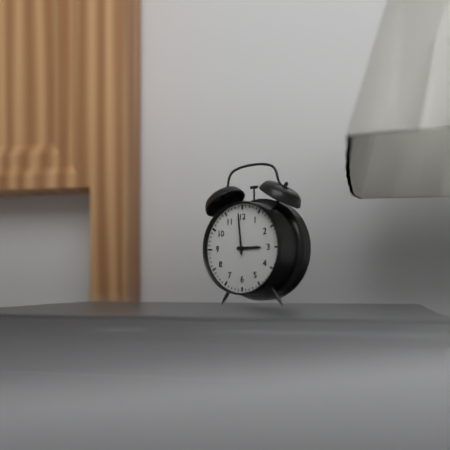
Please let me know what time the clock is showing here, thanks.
2:59
